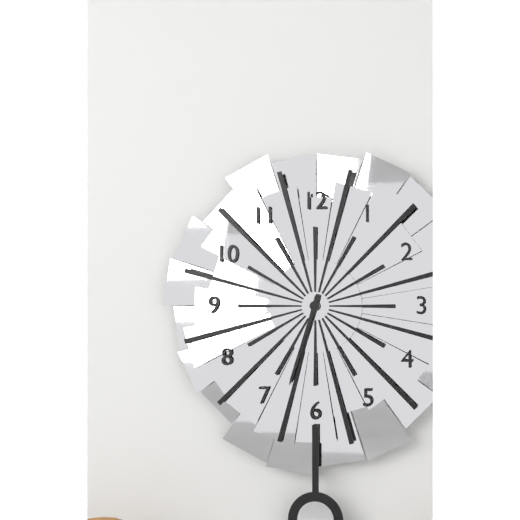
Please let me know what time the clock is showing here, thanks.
6:33
